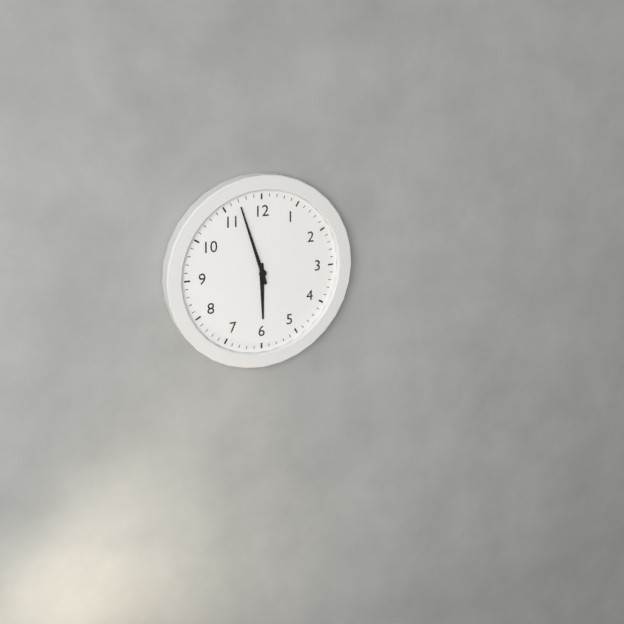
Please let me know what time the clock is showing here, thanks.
5:57
